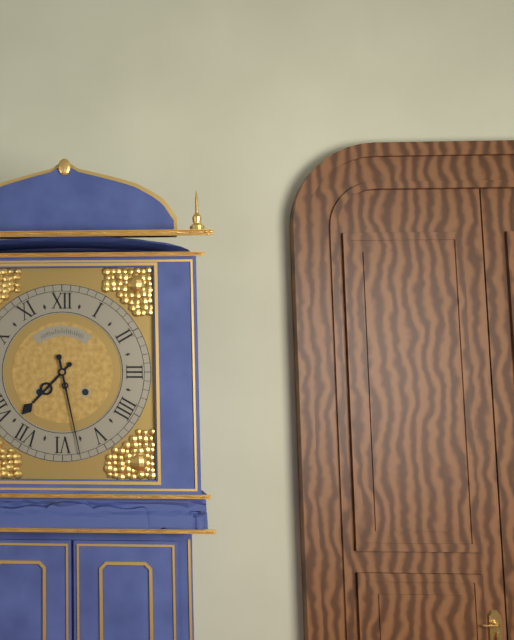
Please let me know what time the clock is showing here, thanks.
7:28
